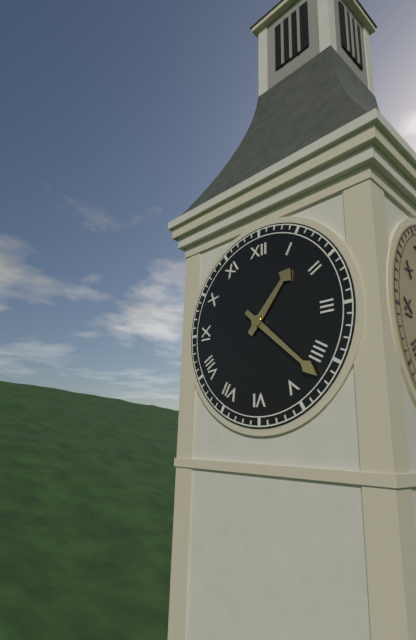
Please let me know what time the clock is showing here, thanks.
1:22
